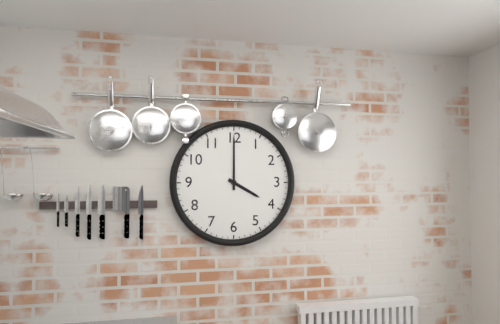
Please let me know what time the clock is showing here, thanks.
4:00
